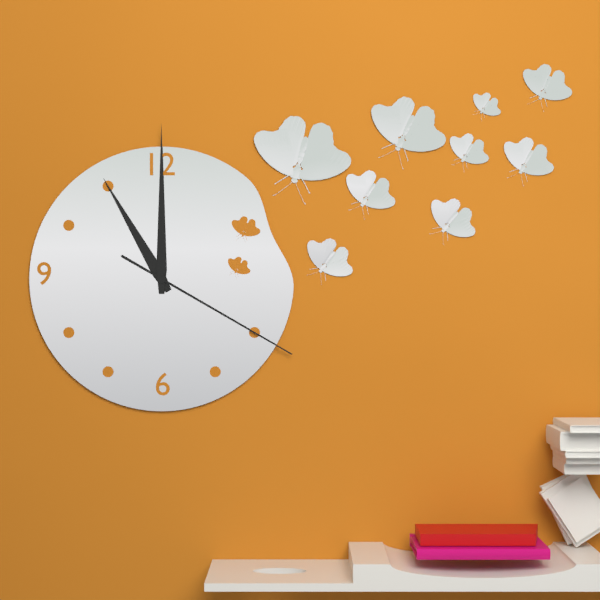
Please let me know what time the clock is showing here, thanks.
11:00:20
